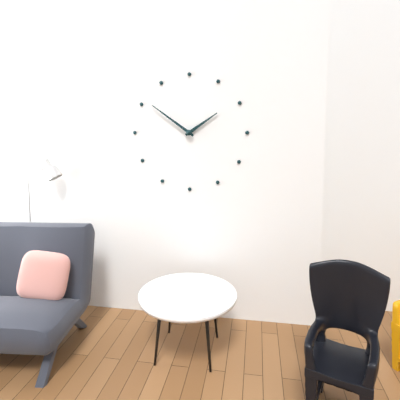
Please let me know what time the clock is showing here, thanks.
1:51
